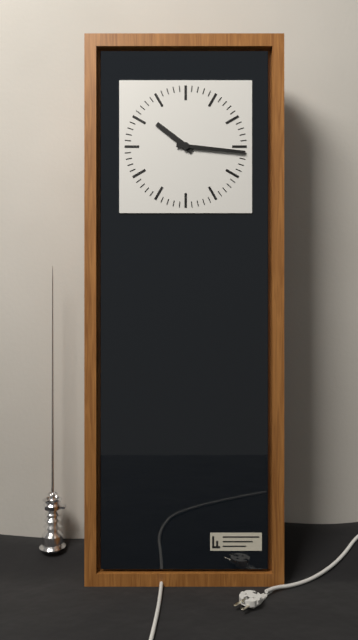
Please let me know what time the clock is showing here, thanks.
10:16
